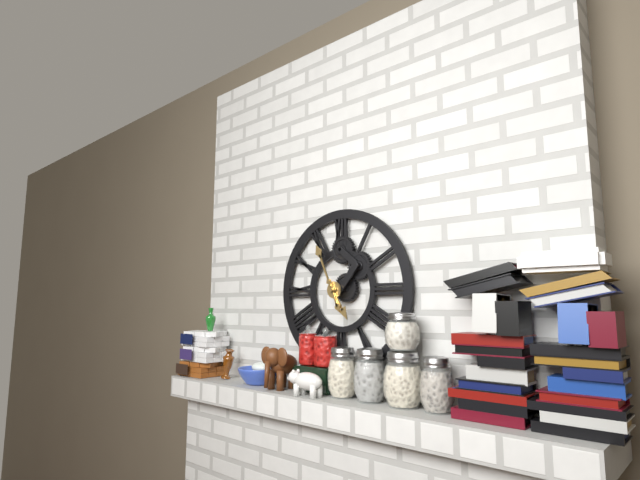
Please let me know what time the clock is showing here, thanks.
4:56
